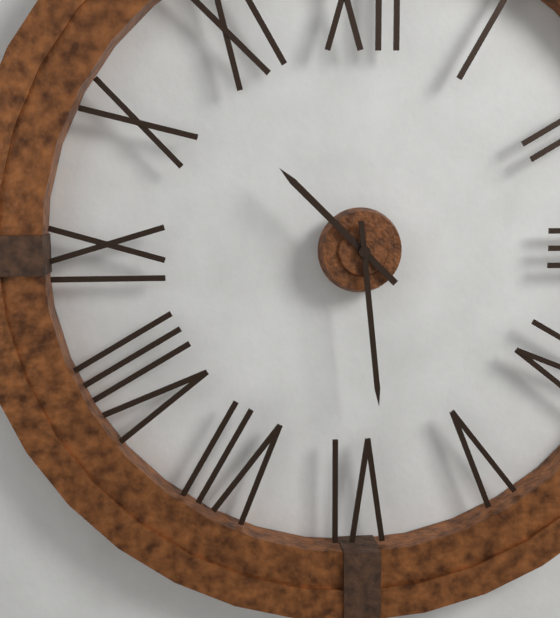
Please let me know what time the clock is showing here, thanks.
10:29
